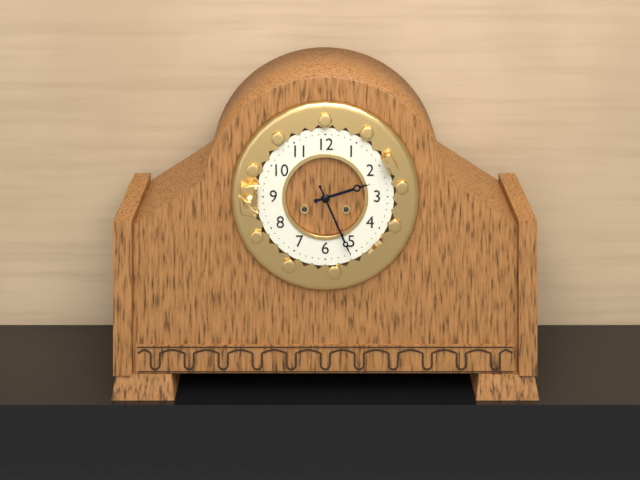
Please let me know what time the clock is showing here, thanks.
2:26
